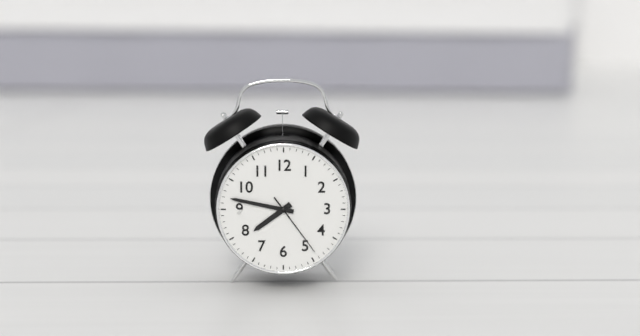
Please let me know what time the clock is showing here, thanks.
7:47:24
